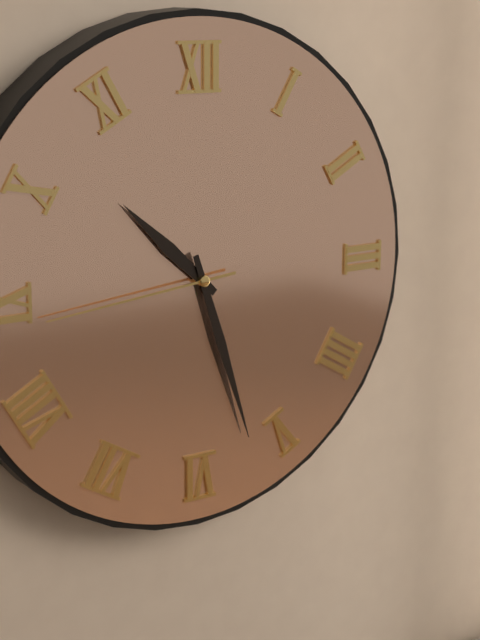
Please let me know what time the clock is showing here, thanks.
10:27:44
